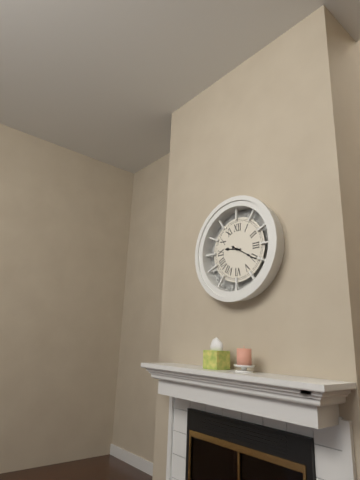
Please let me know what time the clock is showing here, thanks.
9:20
